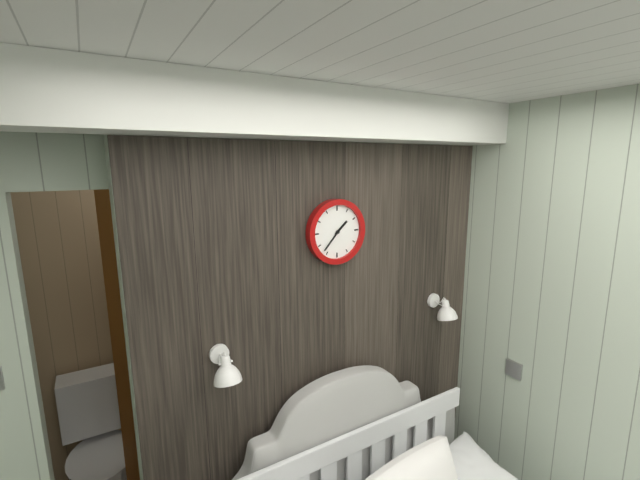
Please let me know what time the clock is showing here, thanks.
1:37
